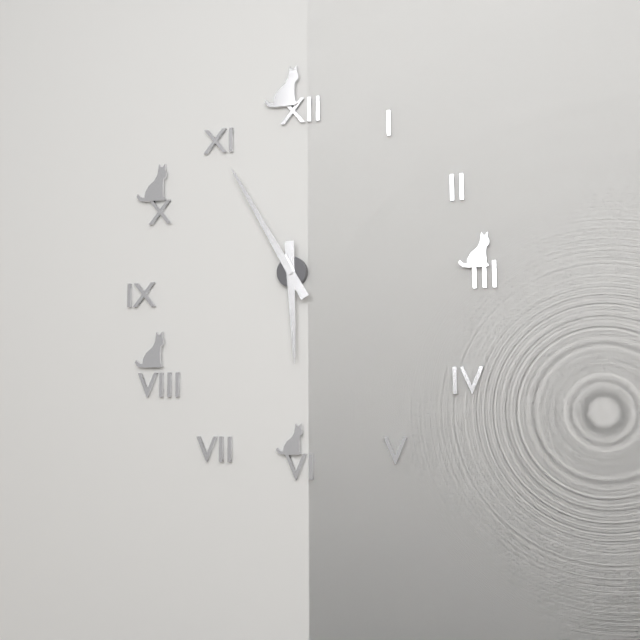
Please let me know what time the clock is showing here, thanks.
5:55
